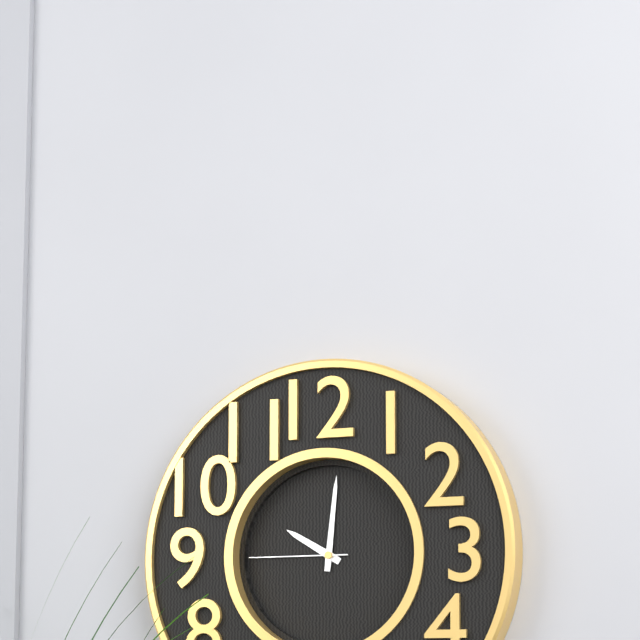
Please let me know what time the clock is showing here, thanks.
10:01:45
